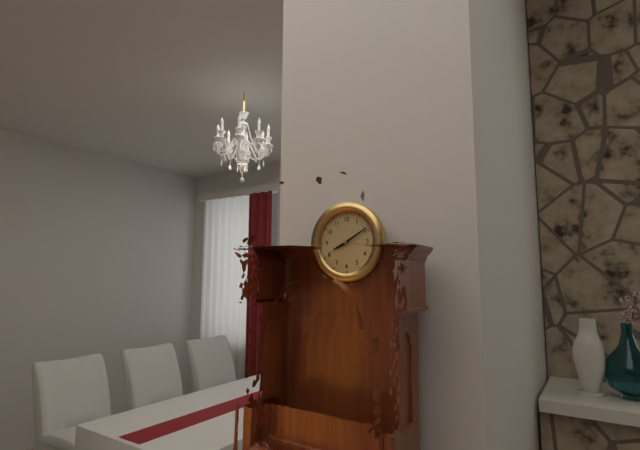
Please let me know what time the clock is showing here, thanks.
8:10
